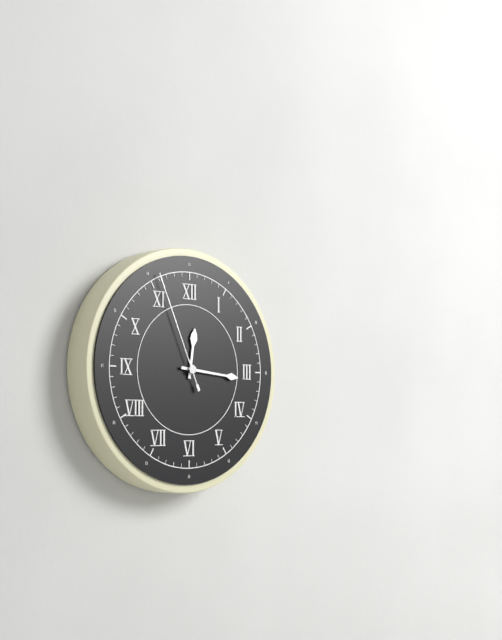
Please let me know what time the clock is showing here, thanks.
12:16:56
